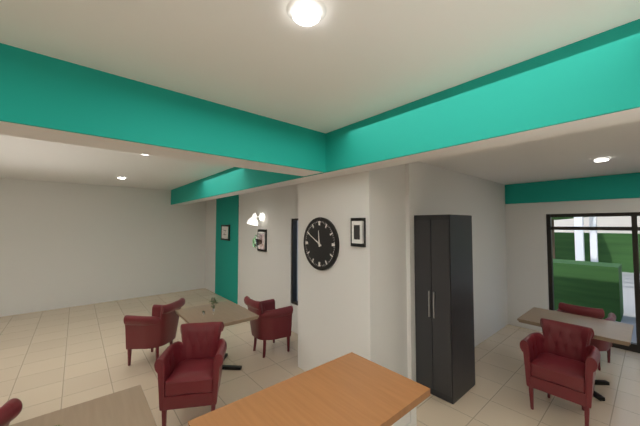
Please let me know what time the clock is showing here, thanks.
11:50
